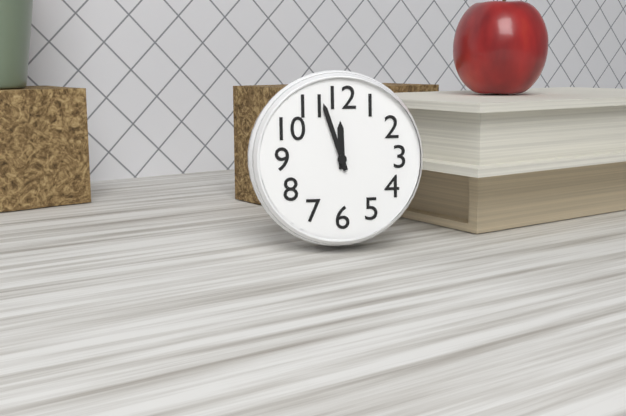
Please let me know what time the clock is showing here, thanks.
11:57
